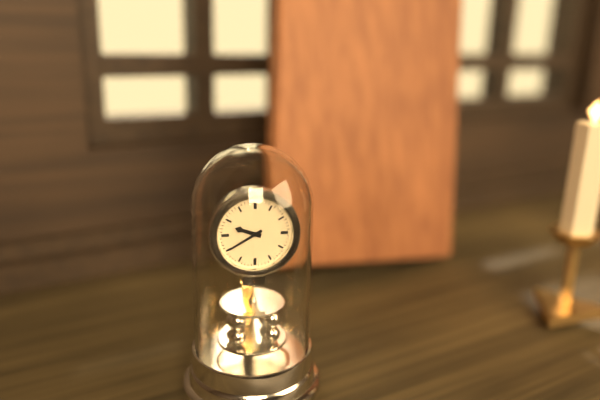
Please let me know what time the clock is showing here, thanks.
9:40
